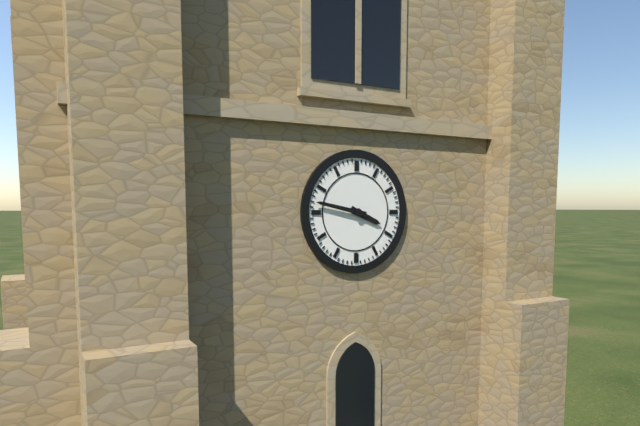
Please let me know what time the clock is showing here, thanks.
3:47
